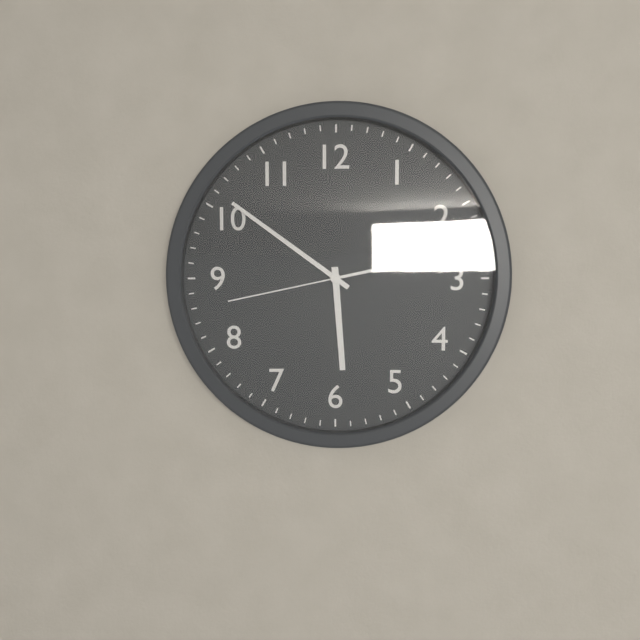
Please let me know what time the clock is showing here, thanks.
5:51:43
